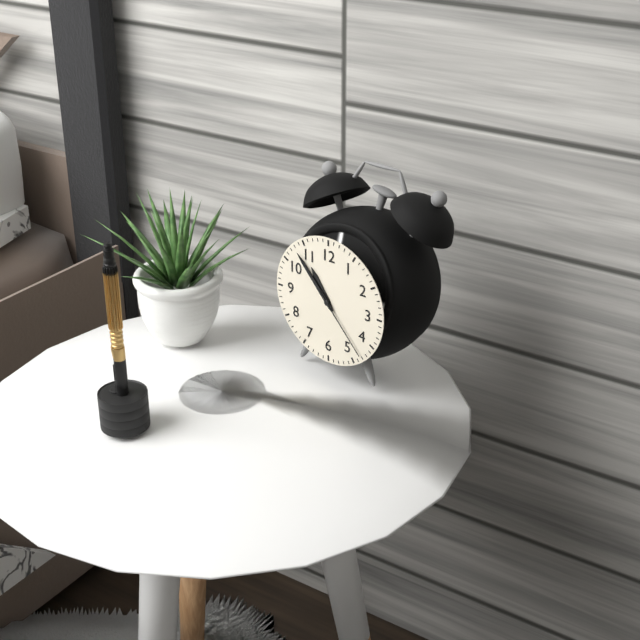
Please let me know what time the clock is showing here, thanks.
10:53:23
